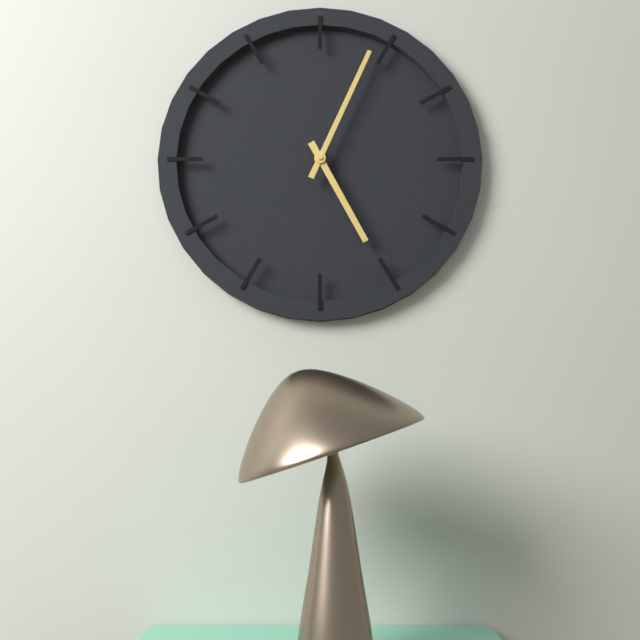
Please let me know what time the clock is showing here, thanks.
5:04
